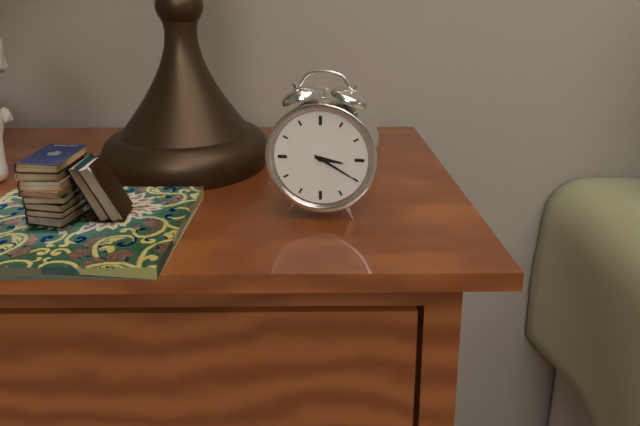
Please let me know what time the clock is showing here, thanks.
3:20
